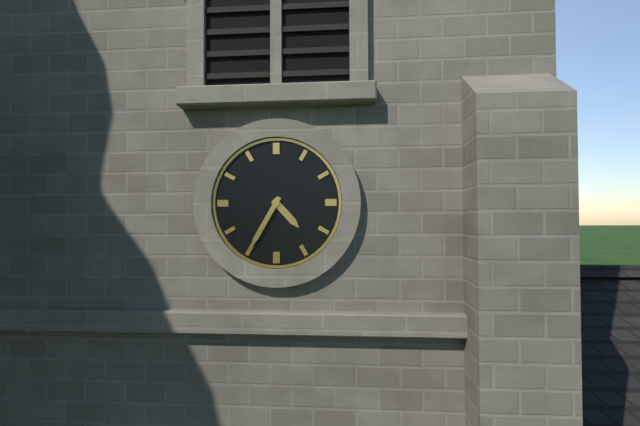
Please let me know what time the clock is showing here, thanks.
4:35
